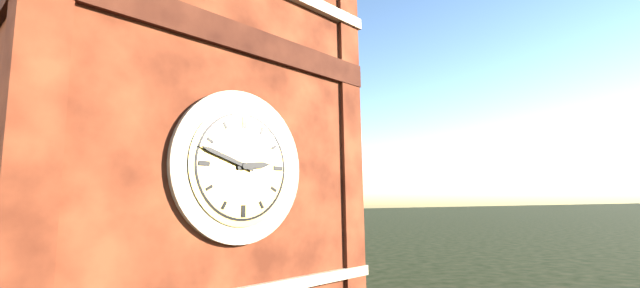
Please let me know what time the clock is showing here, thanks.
2:48
